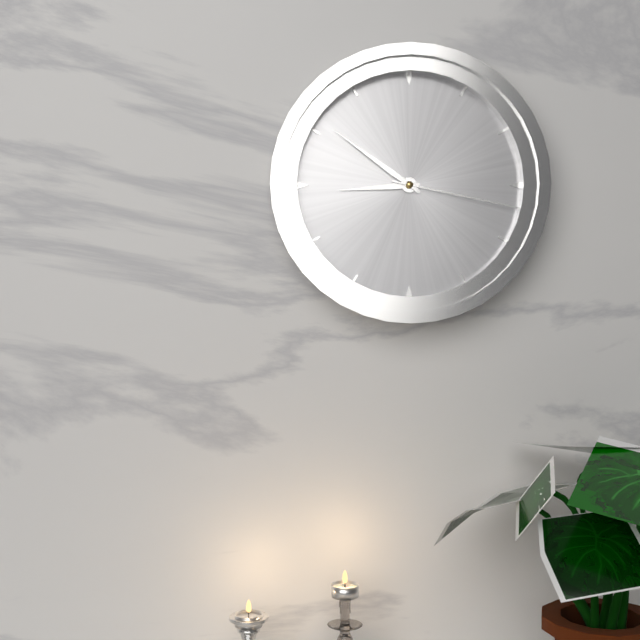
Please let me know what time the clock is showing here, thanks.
8:51:17
